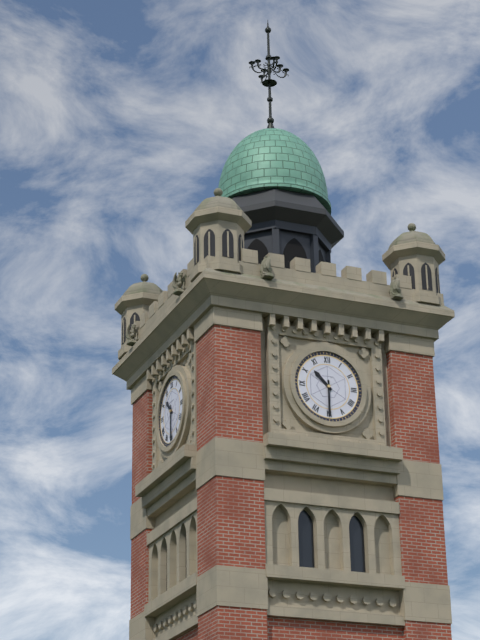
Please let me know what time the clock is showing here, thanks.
10:30
